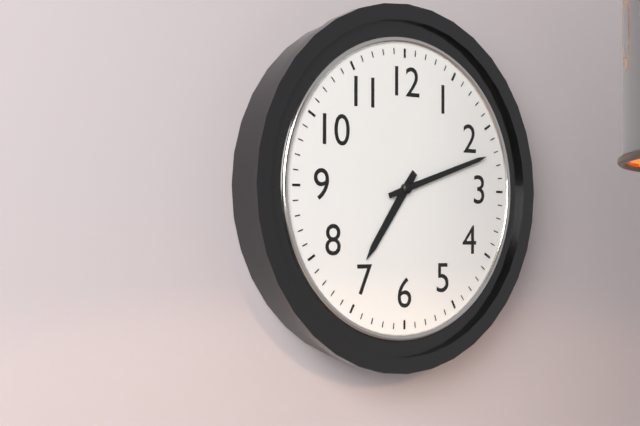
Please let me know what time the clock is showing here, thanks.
7:12
